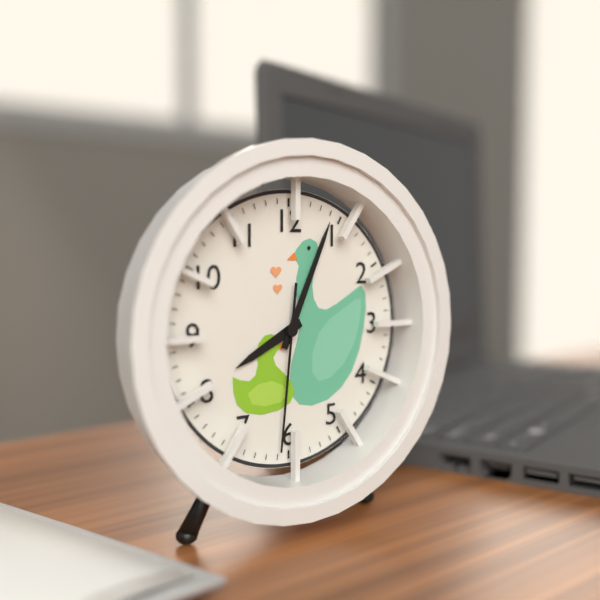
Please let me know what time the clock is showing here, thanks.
8:04:31
